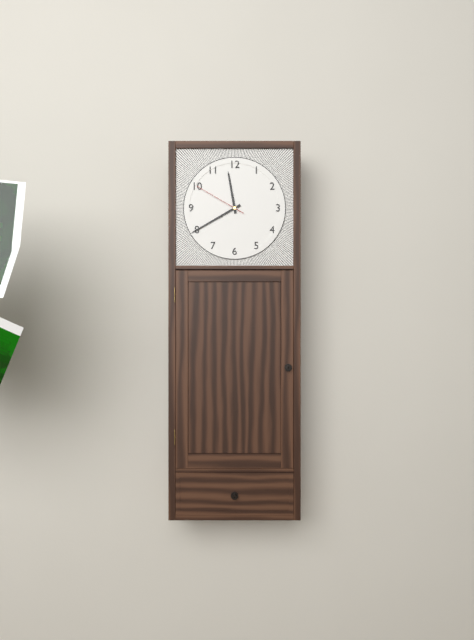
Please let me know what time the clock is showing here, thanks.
11:40:50
